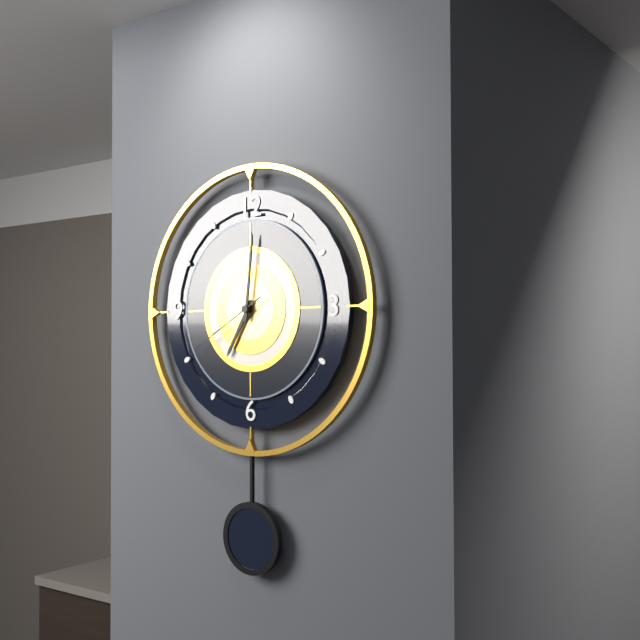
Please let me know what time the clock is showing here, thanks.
7:01:40
